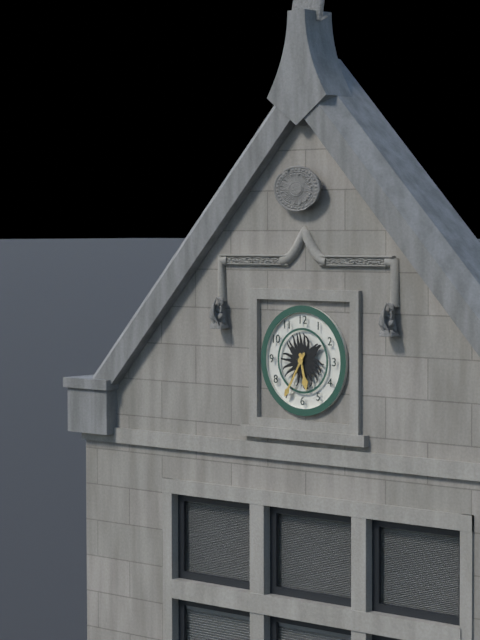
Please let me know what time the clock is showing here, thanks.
5:35
